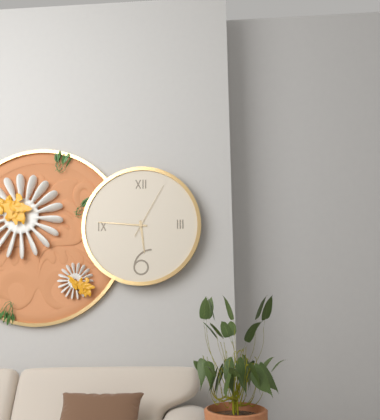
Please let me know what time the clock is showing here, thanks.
5:46:05
